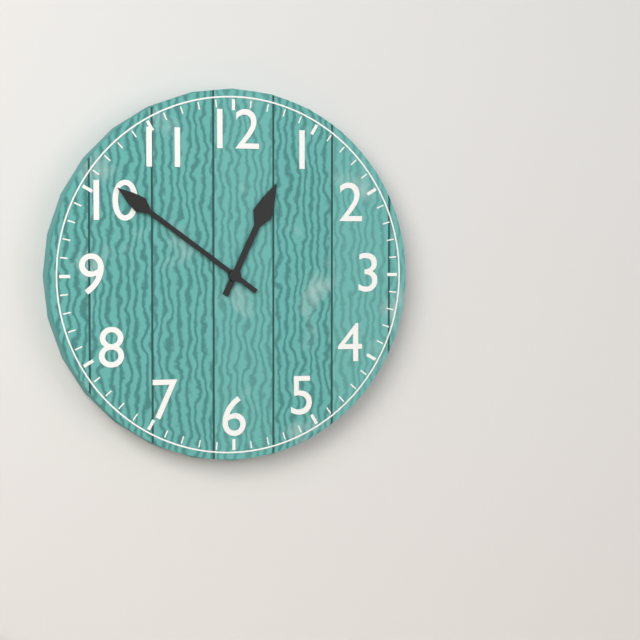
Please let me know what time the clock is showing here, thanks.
12:51
